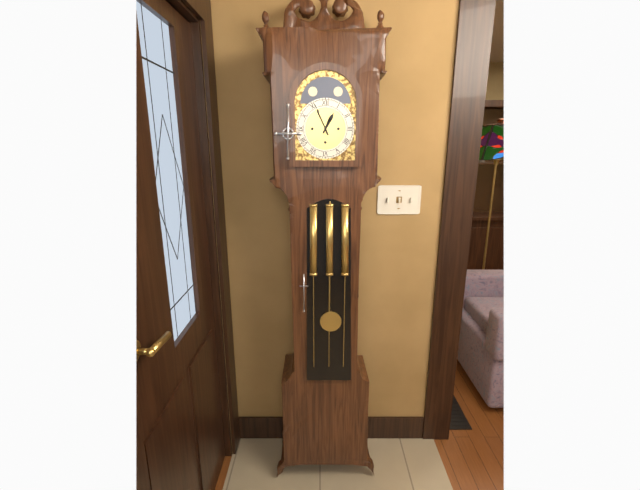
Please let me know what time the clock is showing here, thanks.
12:56
